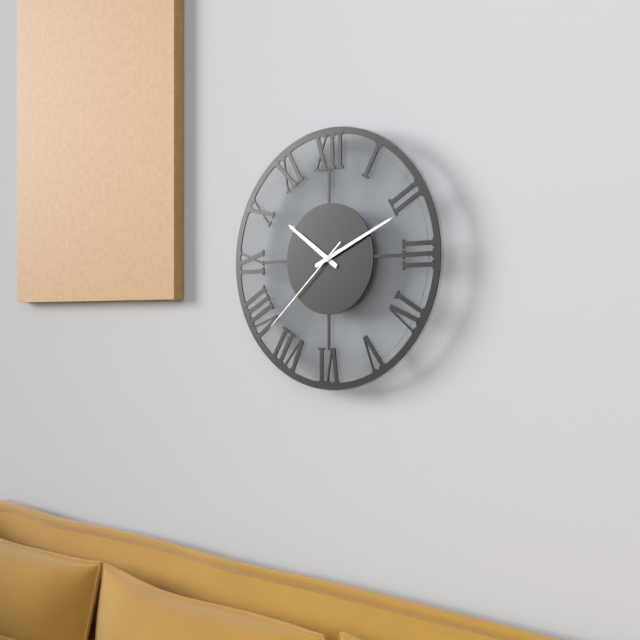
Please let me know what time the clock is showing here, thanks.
10:11:38
